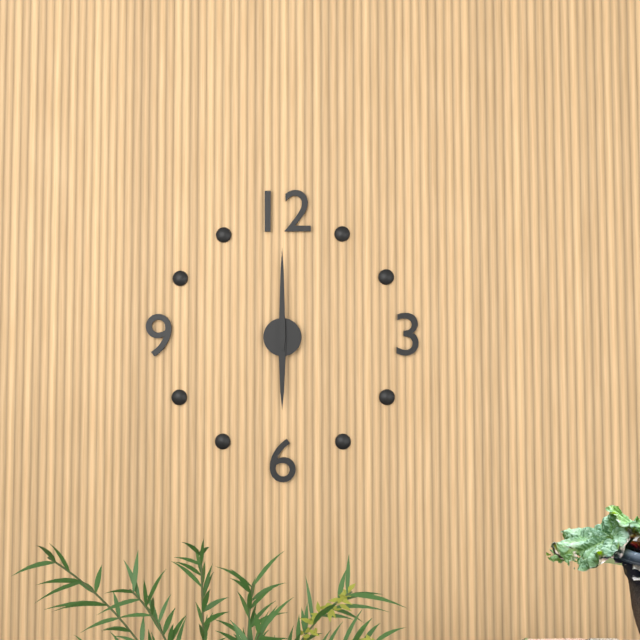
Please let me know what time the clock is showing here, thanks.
6:00
